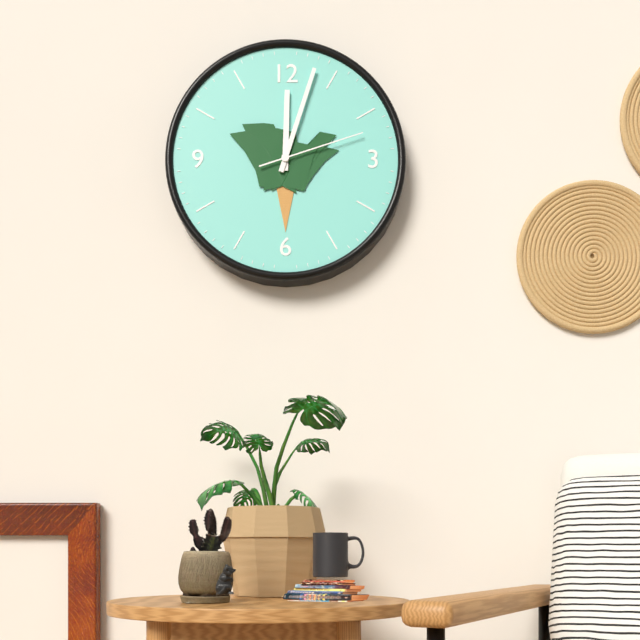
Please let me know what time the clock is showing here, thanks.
12:03:12
